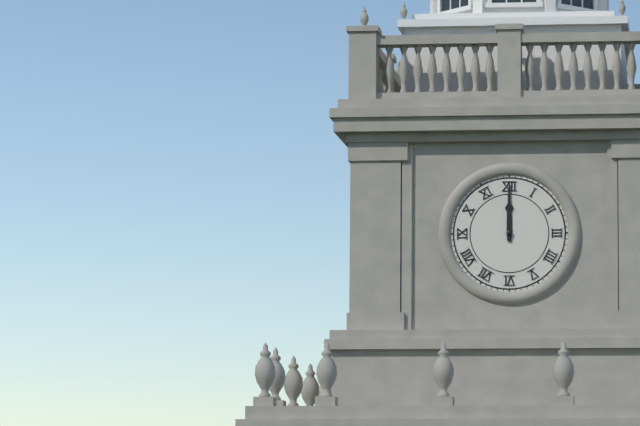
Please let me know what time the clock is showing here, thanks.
12:00
